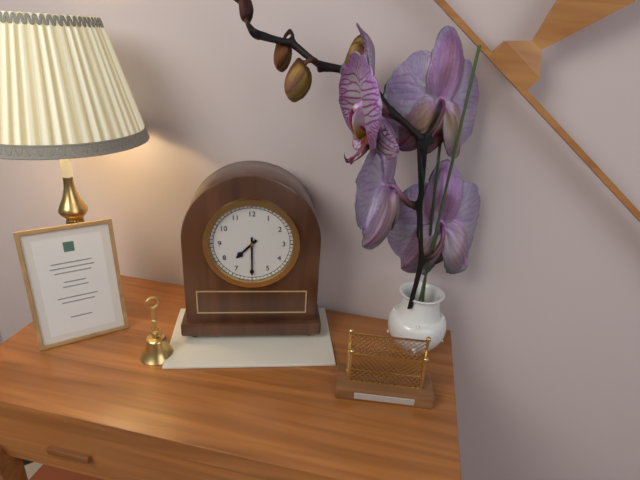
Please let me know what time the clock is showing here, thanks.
7:30
